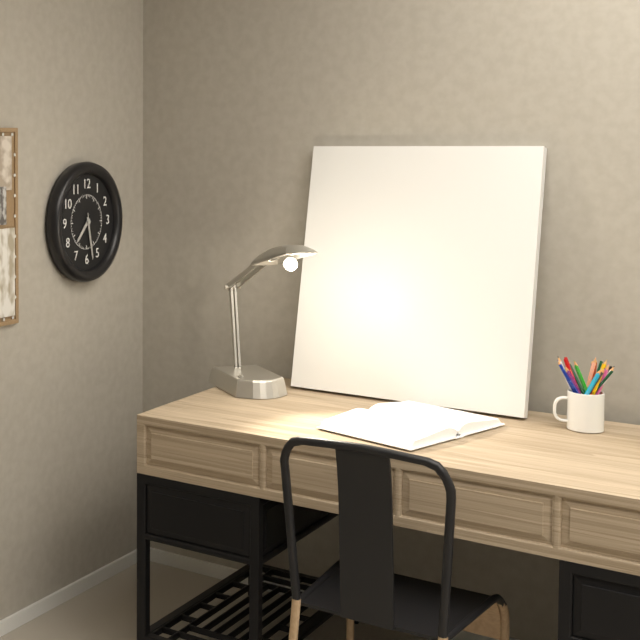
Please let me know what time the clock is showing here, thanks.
7:28
